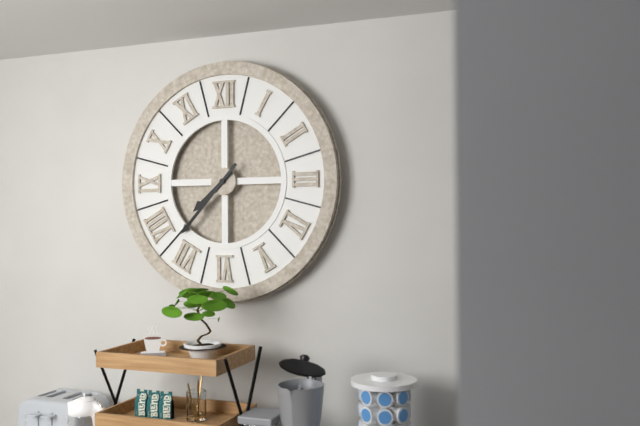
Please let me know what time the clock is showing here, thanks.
7:37
